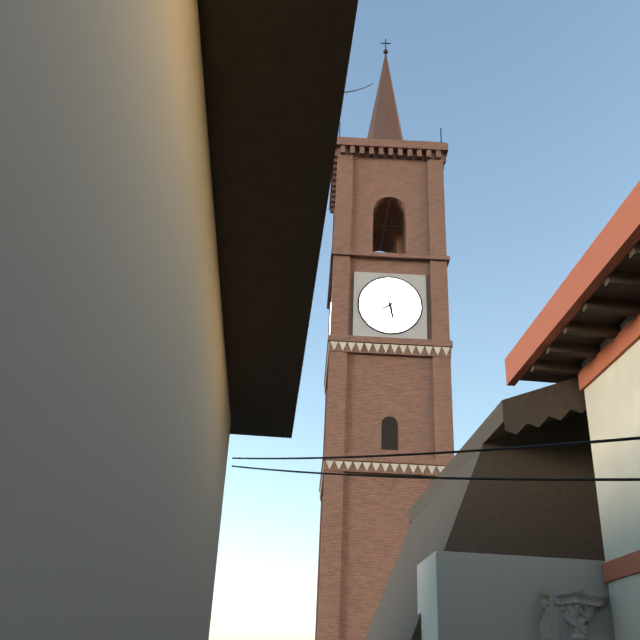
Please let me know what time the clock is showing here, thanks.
5:39
